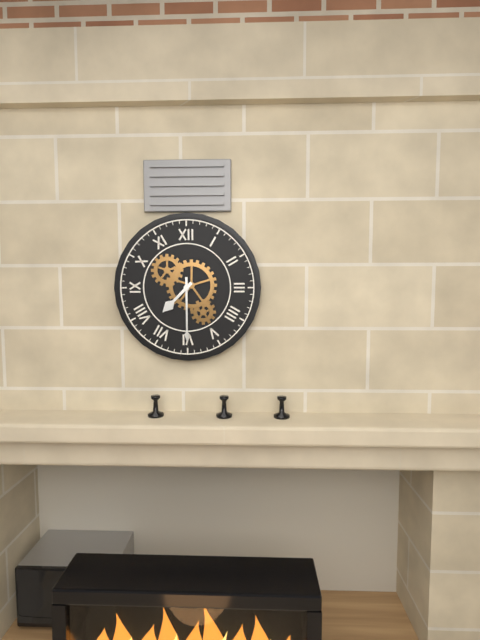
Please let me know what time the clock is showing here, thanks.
7:30
